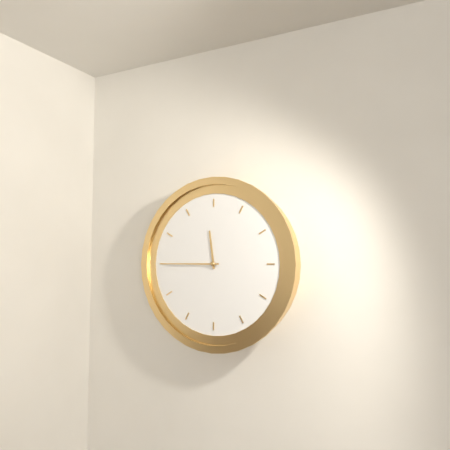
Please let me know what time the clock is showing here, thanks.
11:45
